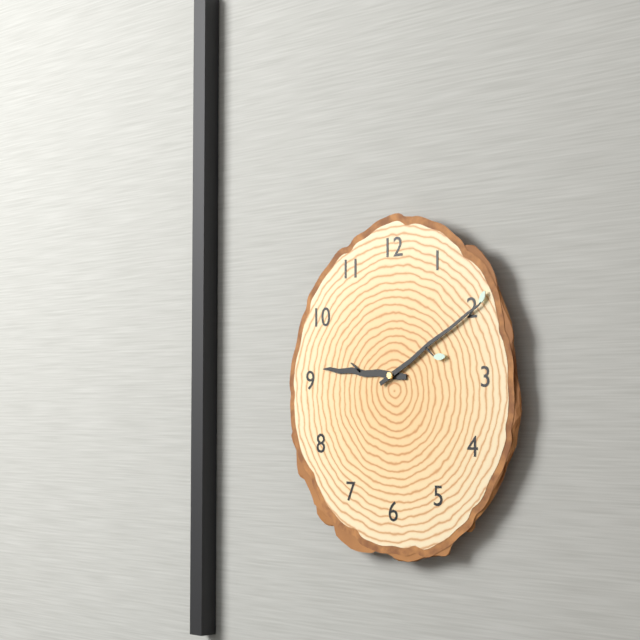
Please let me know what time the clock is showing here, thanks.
9:10
